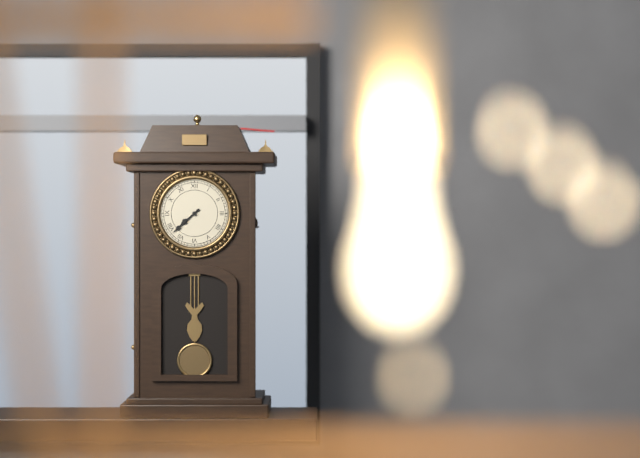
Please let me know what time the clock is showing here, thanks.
7:38
